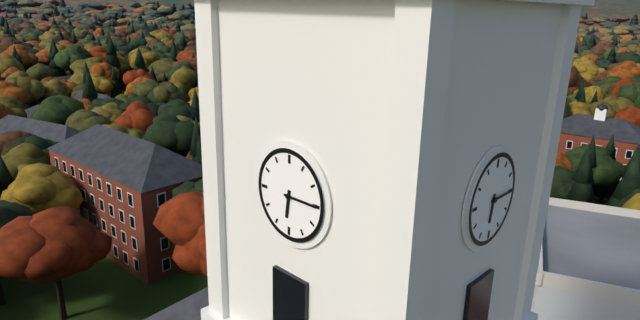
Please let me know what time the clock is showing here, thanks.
6:15
